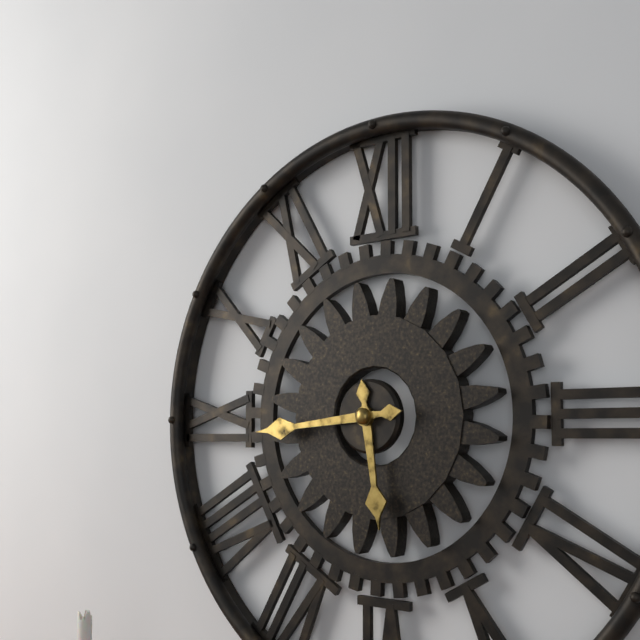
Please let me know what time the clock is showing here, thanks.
5:44
